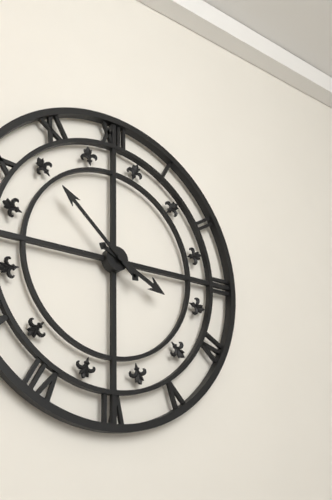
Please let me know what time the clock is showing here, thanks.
3:52
